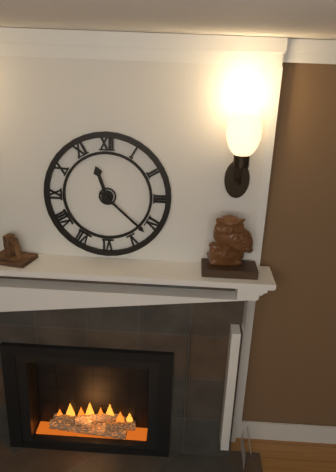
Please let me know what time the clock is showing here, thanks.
11:22
